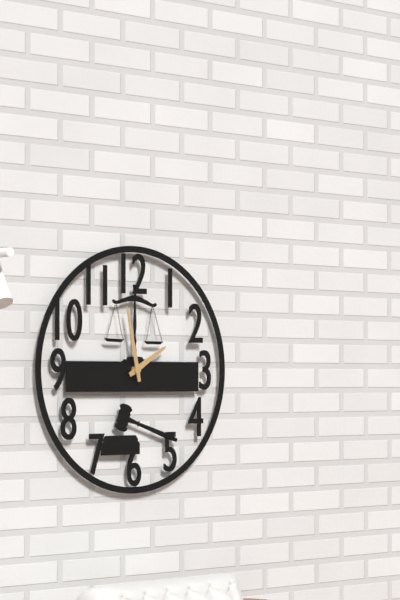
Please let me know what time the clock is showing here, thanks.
1:58
